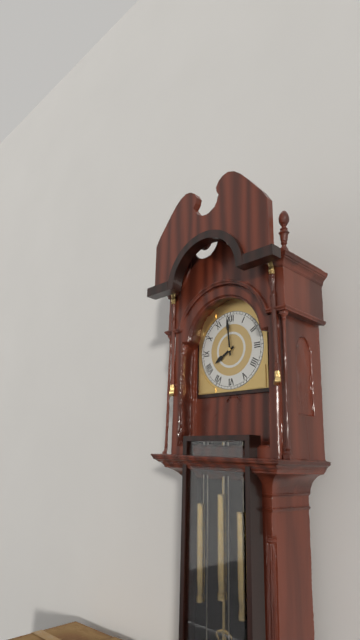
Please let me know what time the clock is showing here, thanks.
7:59
